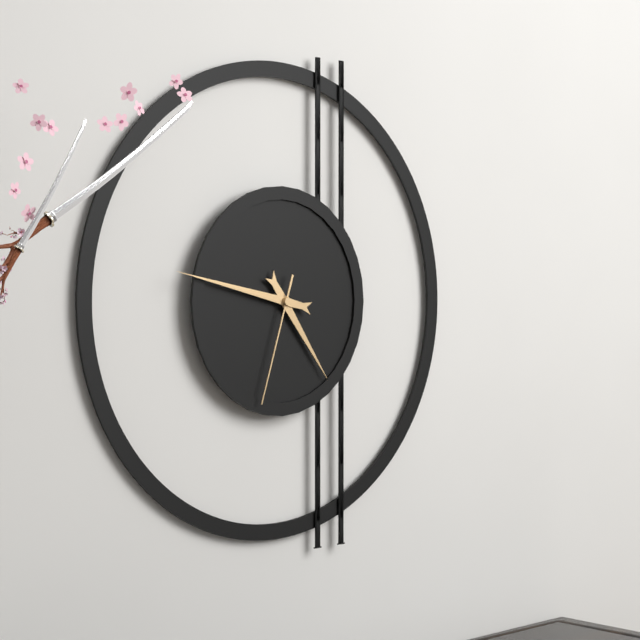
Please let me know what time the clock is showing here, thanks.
4:47:33
